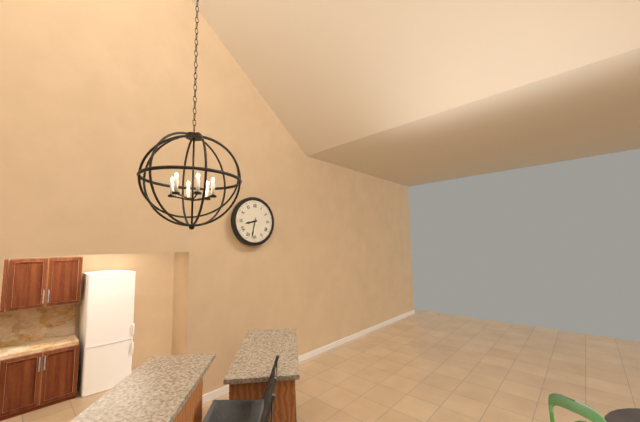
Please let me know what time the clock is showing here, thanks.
8:32
